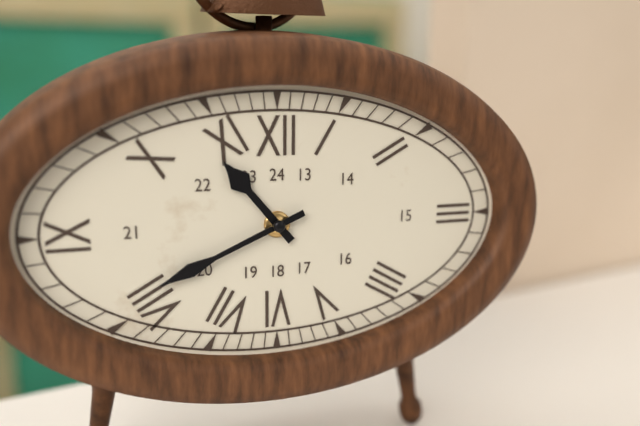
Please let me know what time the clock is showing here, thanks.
10:41
